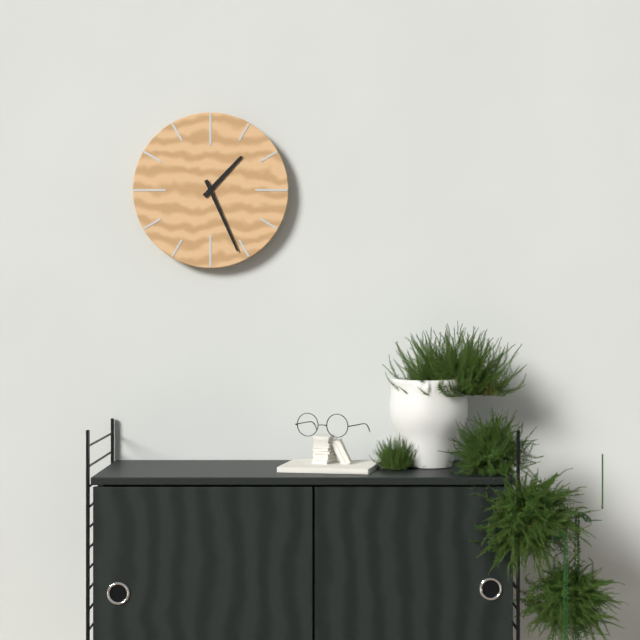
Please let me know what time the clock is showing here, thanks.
1:26
